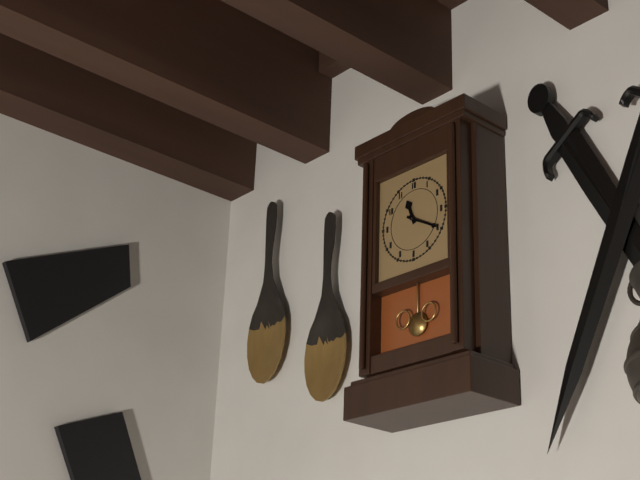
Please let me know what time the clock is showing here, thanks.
11:20
